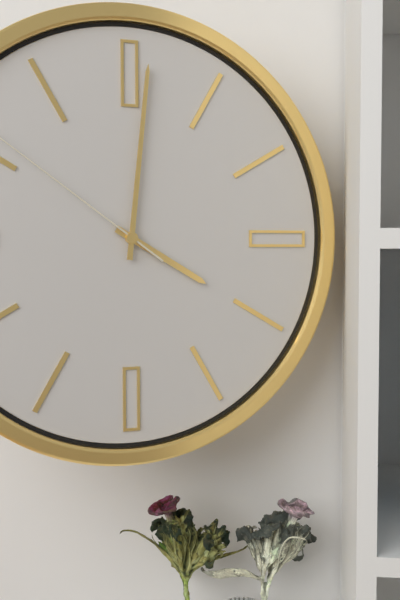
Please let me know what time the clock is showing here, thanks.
4:01
